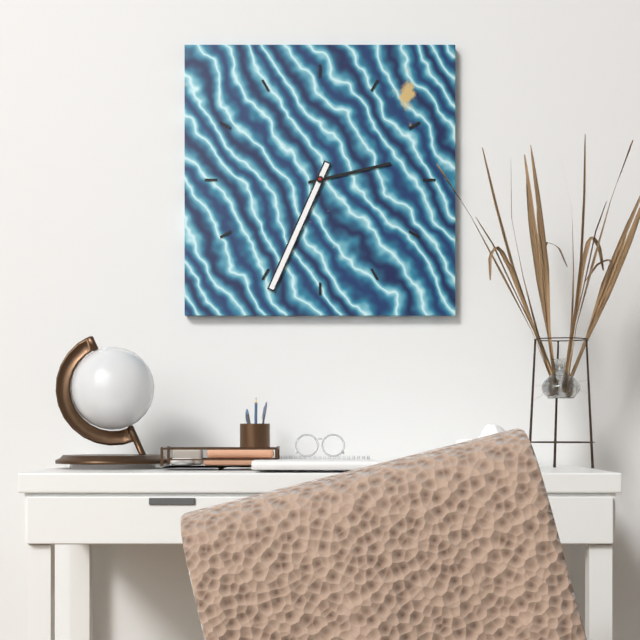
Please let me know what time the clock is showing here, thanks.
2:34
